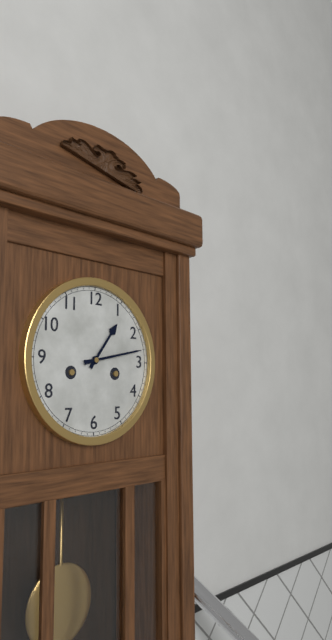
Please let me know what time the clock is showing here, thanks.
1:13
